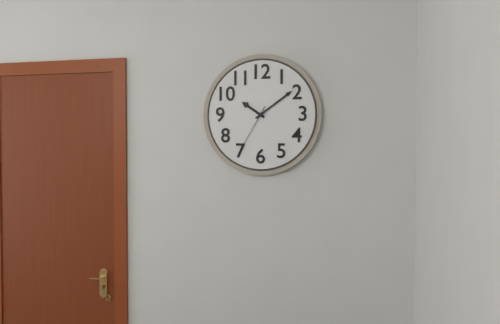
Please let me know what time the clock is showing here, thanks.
10:09:35
